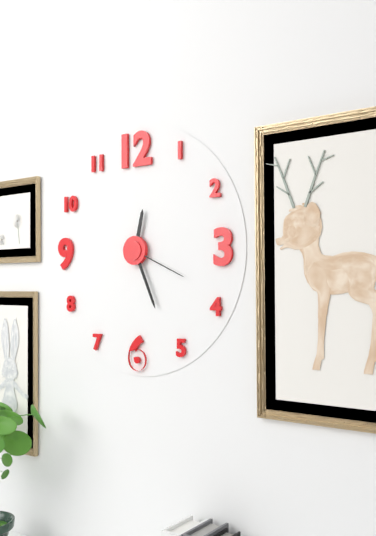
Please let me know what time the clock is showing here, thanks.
12:26:19
